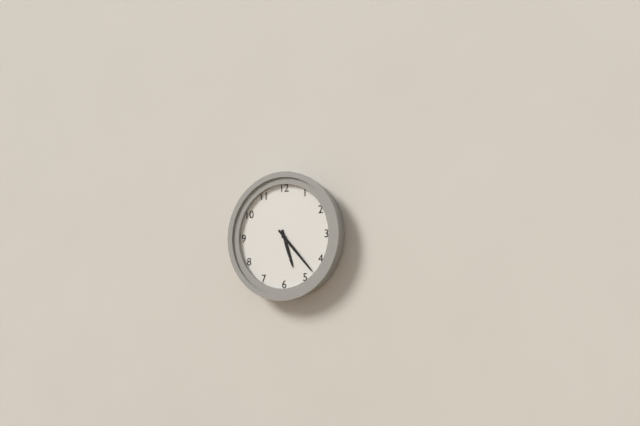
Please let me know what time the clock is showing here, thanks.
5:23
